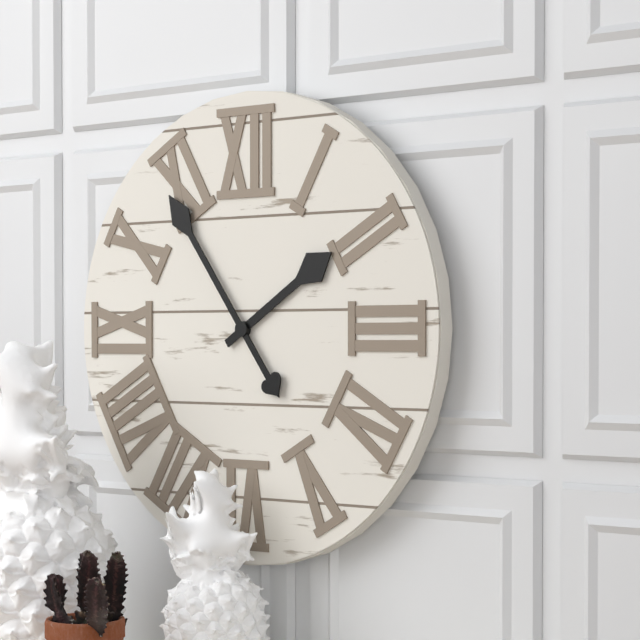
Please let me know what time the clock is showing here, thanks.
1:54
